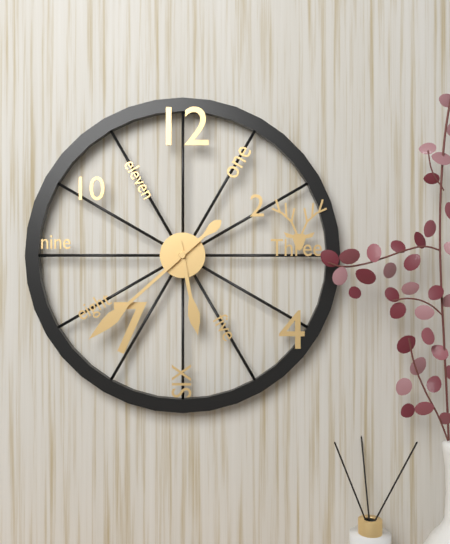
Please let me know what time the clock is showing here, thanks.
5:38
